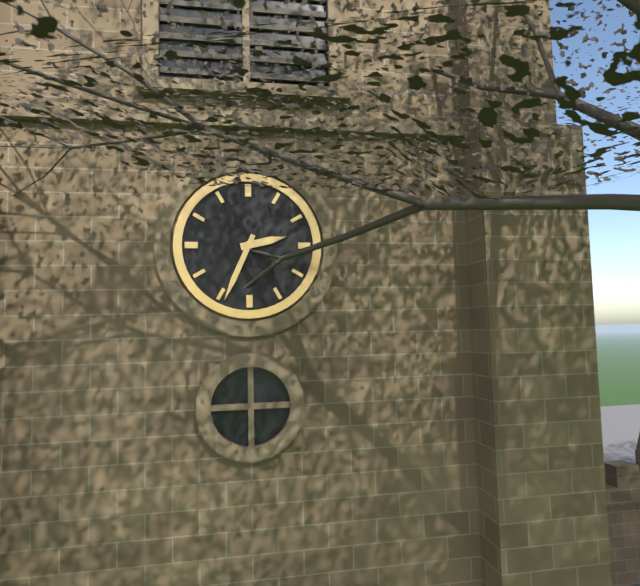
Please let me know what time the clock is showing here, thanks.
2:34
